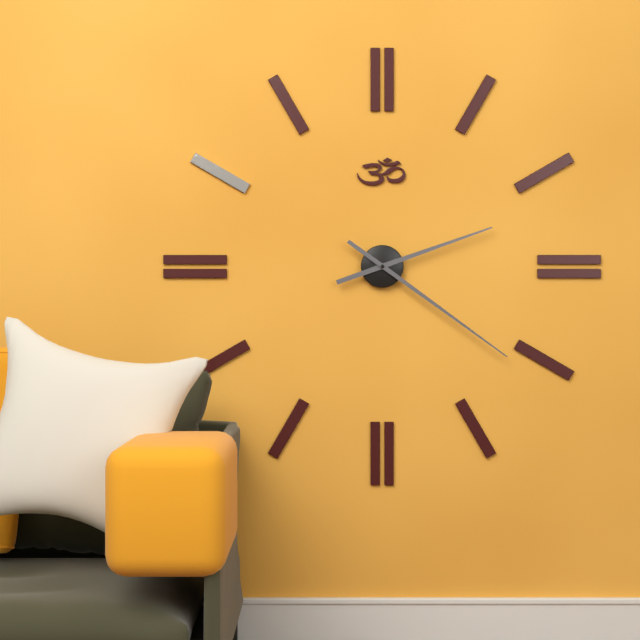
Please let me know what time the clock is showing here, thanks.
2:21
